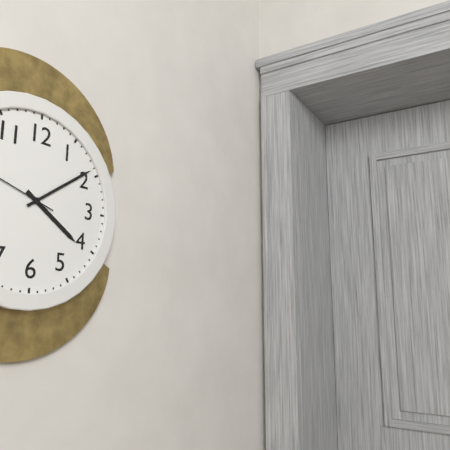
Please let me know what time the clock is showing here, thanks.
4:09
